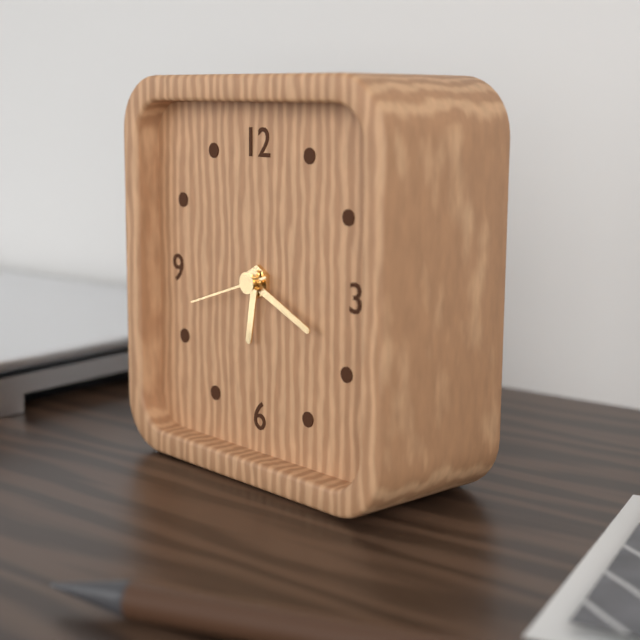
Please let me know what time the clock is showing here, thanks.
6:19:42
